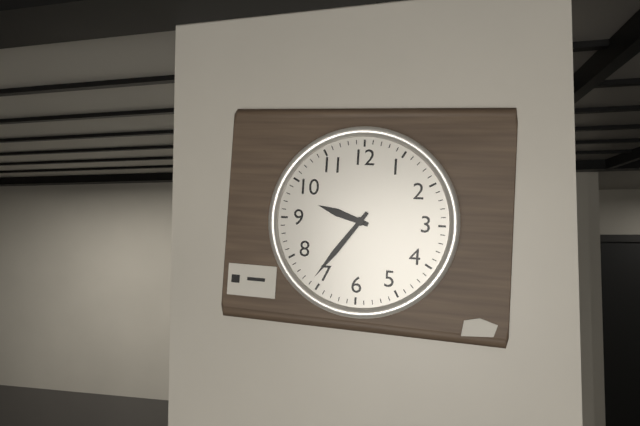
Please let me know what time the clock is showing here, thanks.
9:36
